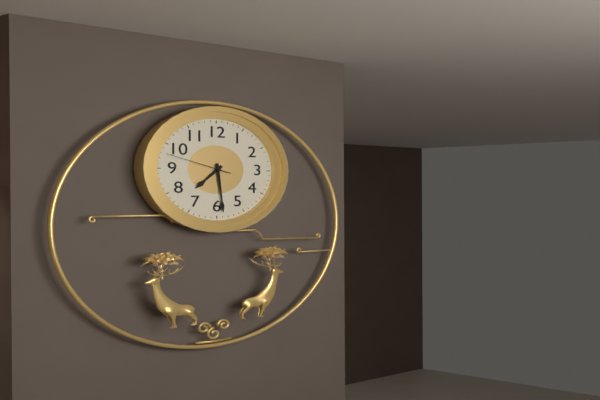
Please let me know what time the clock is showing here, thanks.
7:29:48
